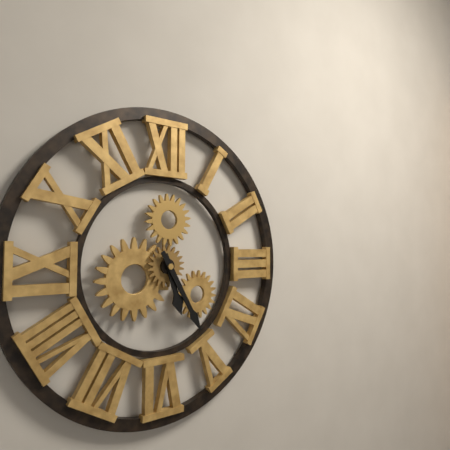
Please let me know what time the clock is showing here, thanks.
5:25
